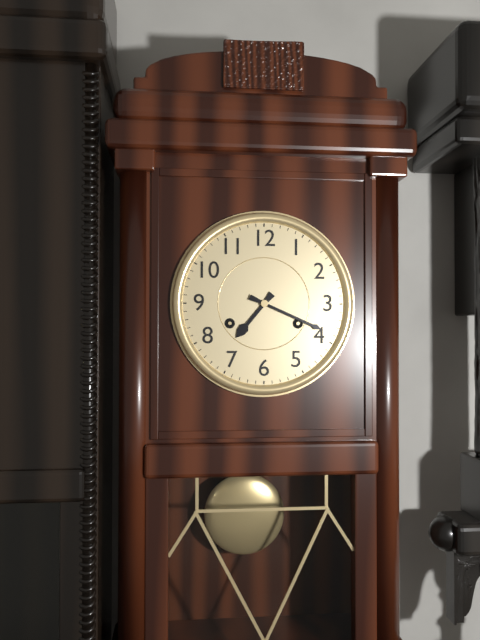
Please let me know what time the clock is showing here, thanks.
7:19
